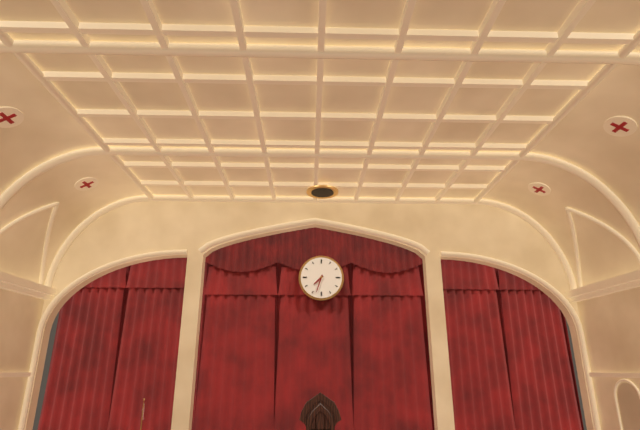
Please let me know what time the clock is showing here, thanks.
7:33
